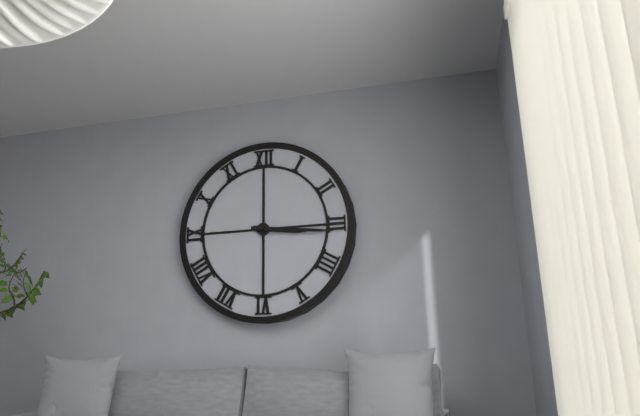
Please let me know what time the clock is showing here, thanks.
3:16
